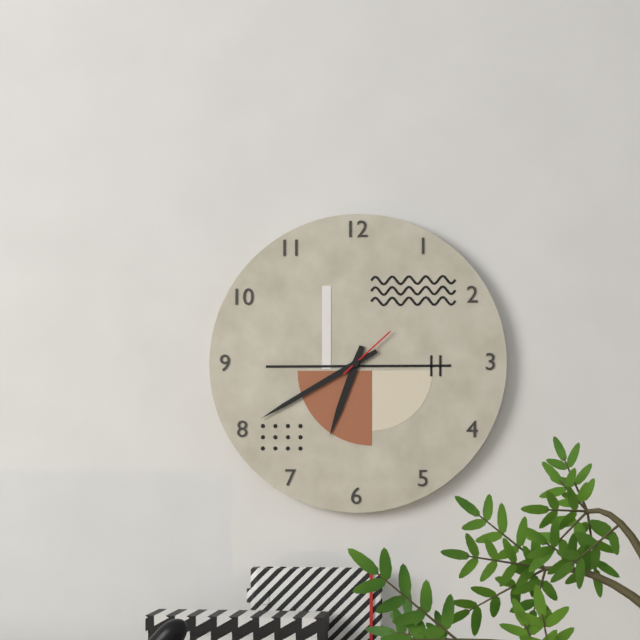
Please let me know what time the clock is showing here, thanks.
6:40:08
